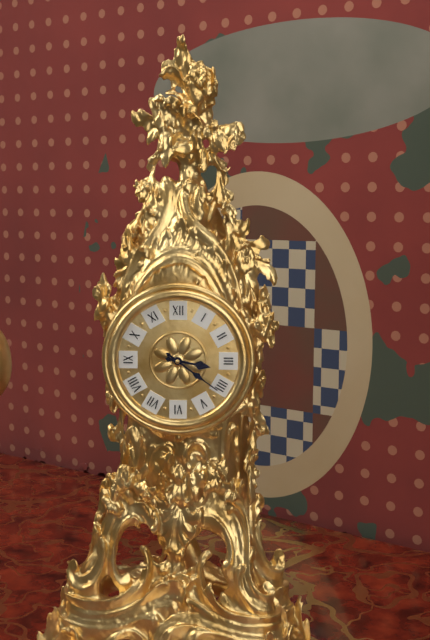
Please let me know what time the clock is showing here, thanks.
3:21
